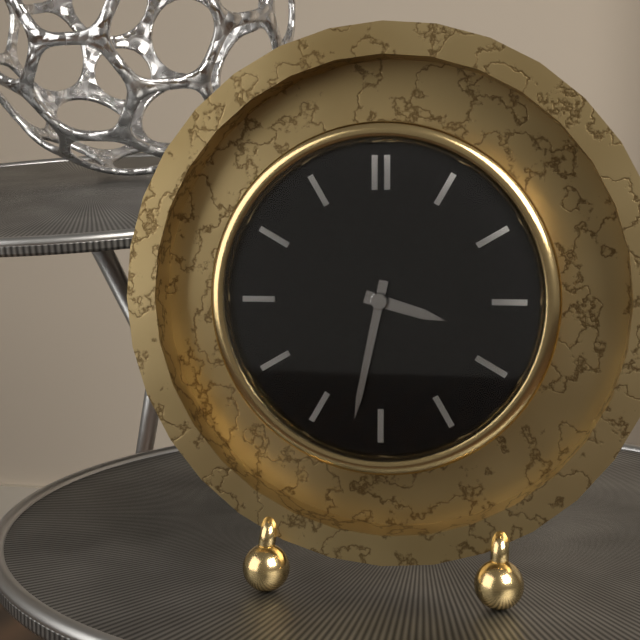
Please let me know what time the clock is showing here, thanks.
3:32
